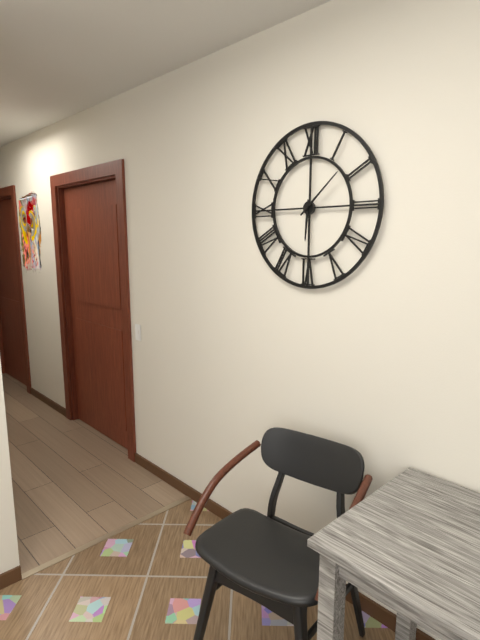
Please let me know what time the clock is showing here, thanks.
6:08
